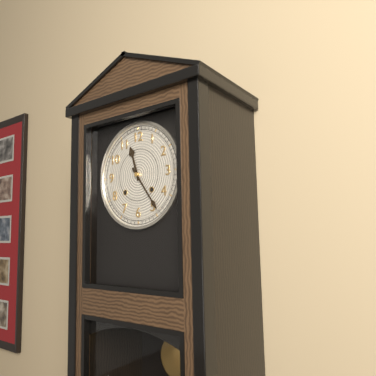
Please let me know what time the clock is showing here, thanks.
11:24
